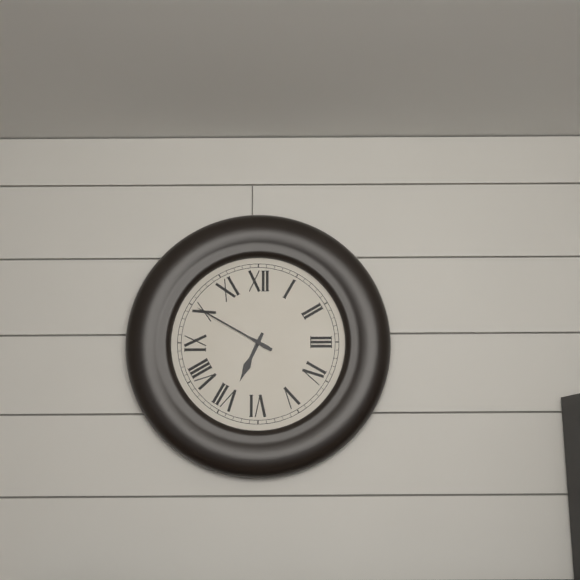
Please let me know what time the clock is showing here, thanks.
6:50
